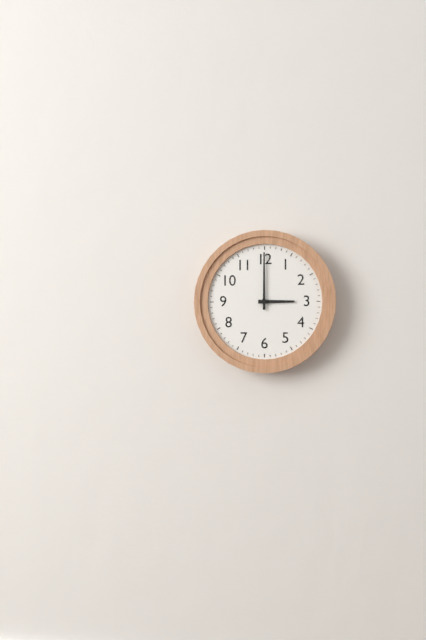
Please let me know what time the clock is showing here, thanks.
3:00
